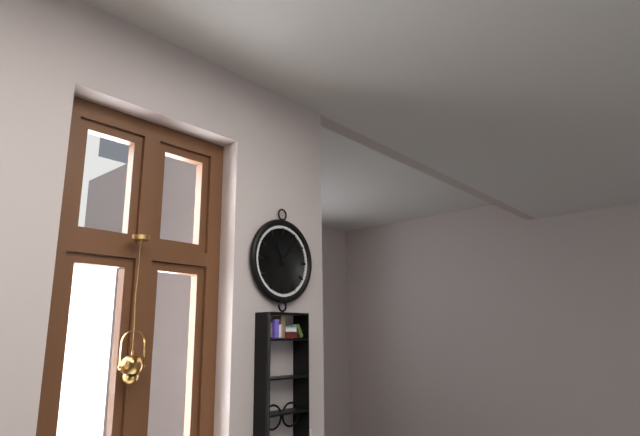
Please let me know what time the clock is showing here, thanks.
11:07
